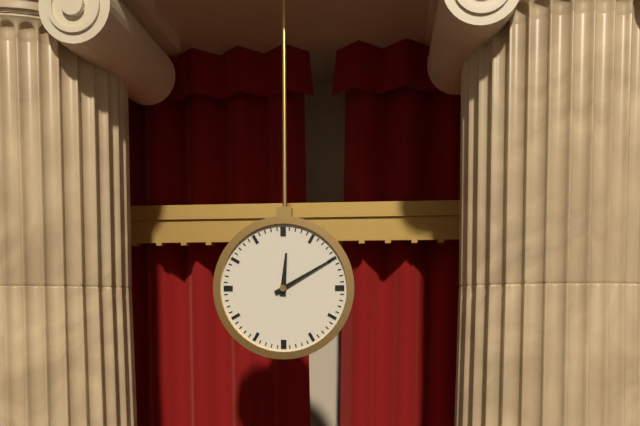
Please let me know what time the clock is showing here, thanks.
12:10
